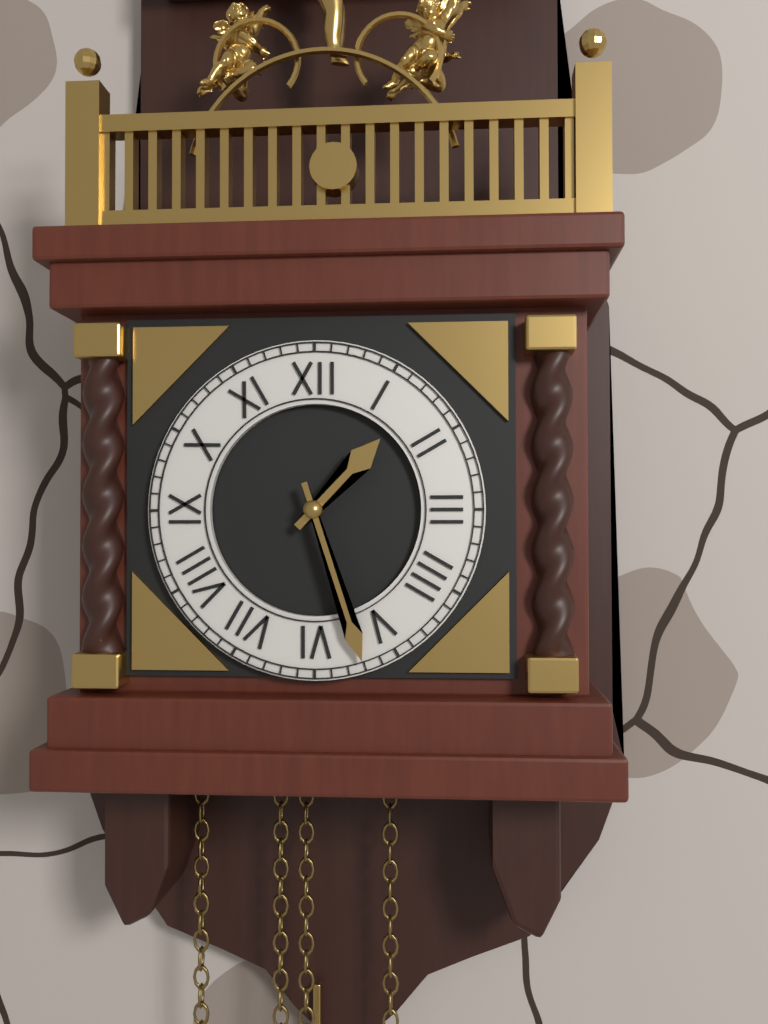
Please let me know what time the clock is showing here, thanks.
1:27
